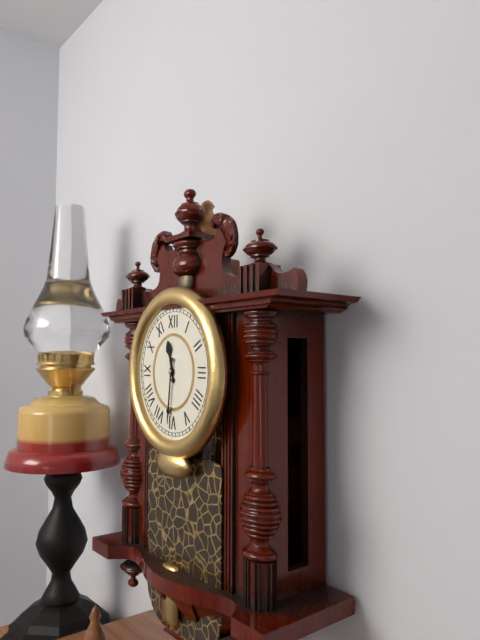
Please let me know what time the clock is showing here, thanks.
11:31
